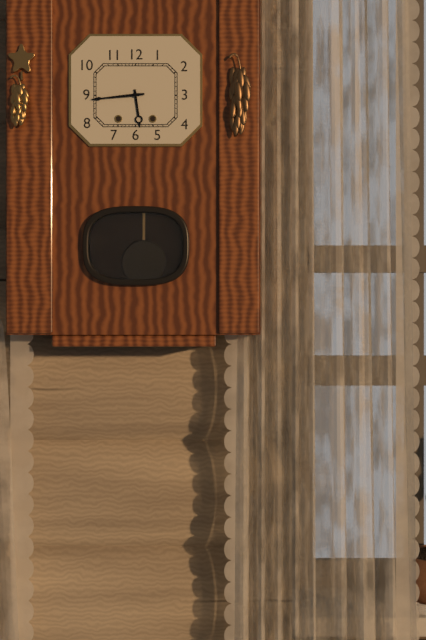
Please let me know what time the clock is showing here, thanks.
5:44
